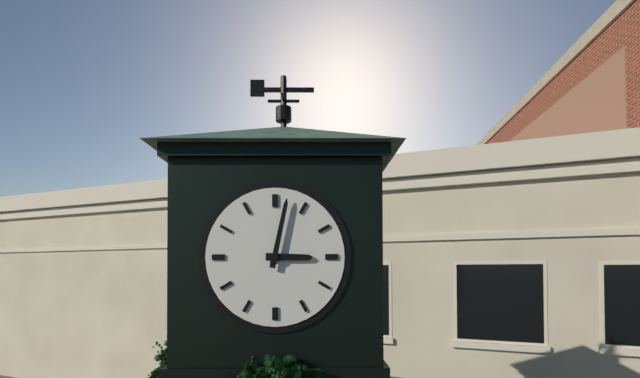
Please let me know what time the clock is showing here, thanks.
3:02
